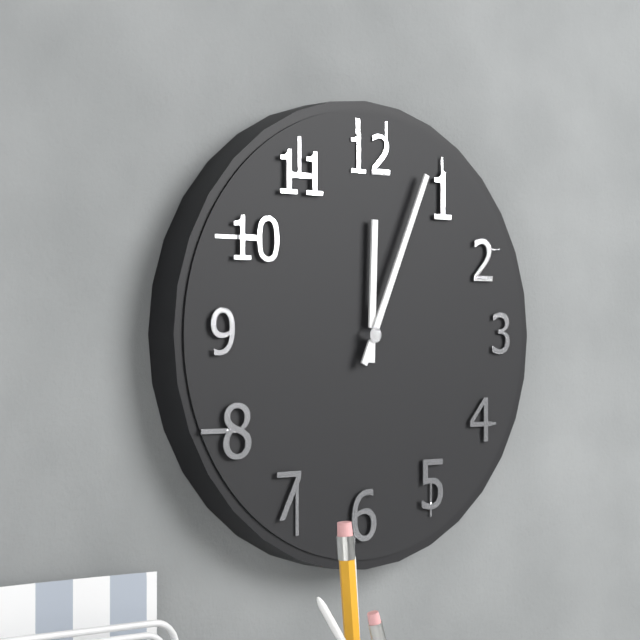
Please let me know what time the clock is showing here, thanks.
12:04
